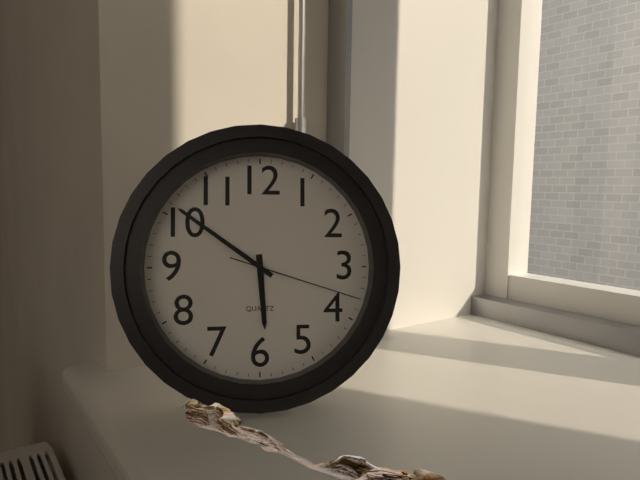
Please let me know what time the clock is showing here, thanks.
5:51:18
